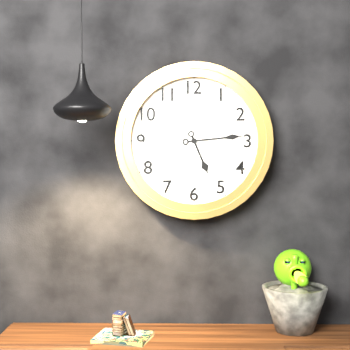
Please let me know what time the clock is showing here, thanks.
5:14
